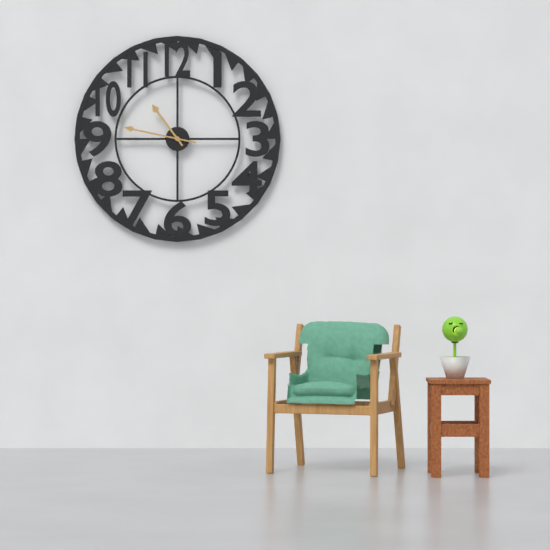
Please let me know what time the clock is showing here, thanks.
10:47
